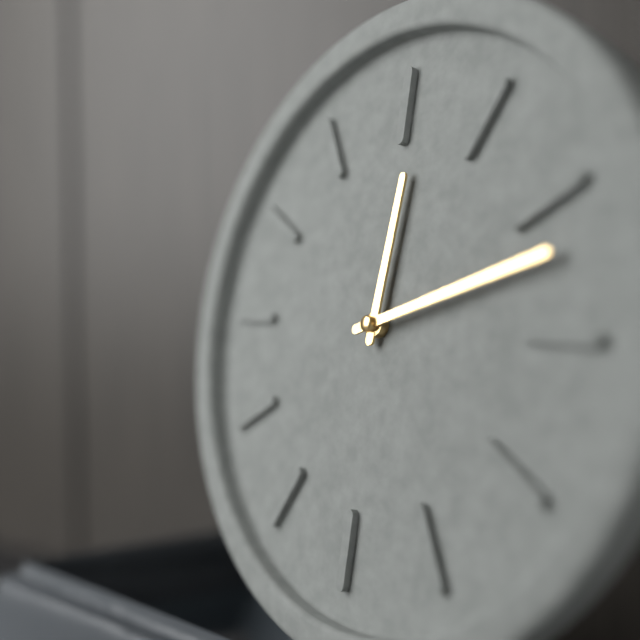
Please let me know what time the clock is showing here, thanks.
12:12
